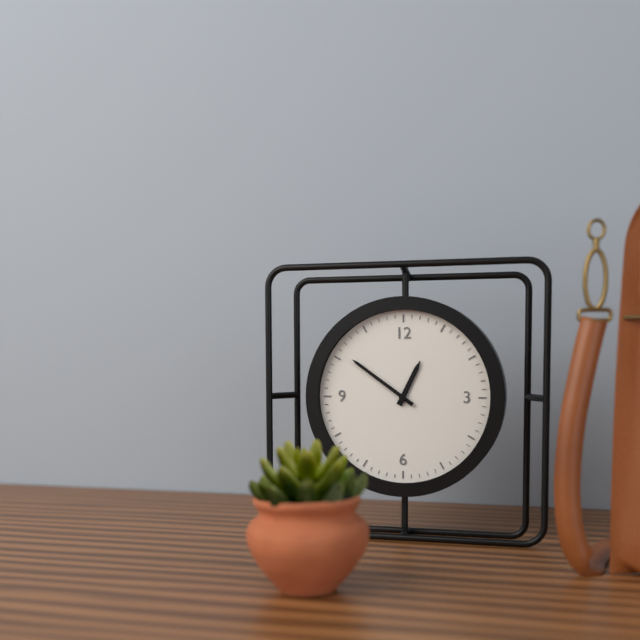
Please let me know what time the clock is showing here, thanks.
12:51
